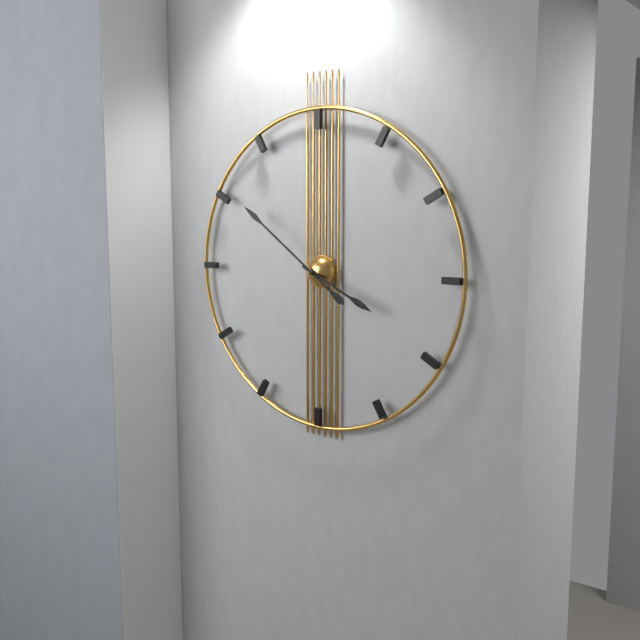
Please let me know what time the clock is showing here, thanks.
3:51
